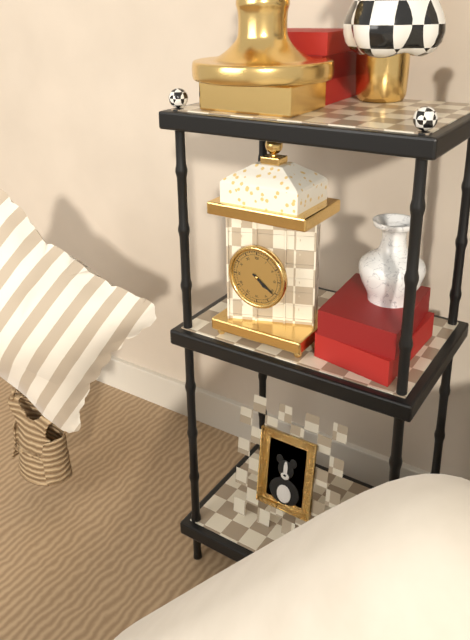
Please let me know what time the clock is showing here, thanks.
4:21
